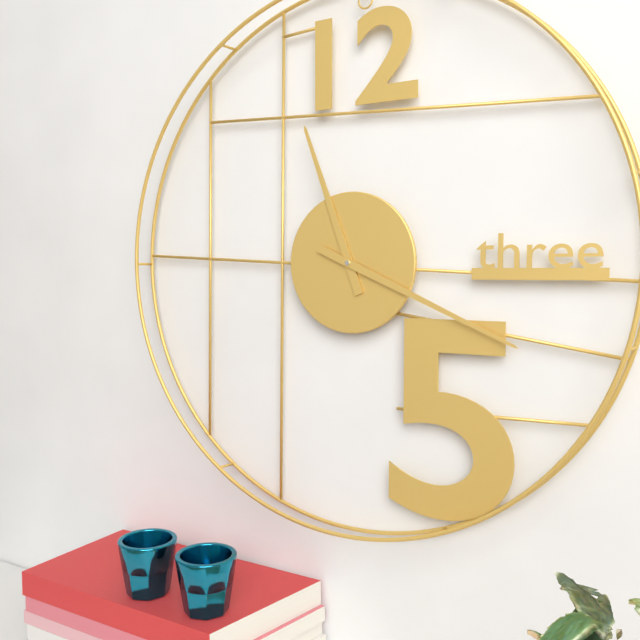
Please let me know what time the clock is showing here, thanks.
11:19
